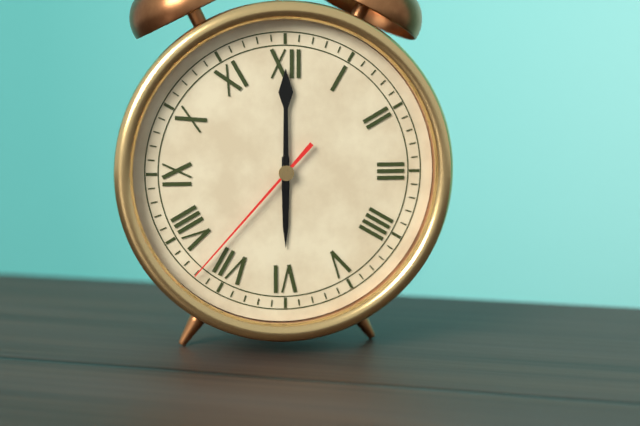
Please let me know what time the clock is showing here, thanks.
6:00:37
